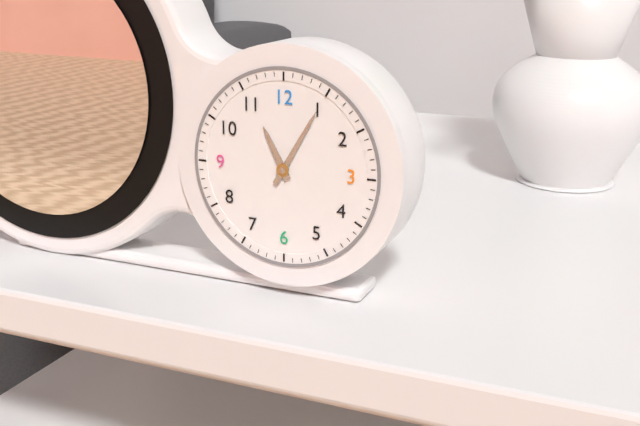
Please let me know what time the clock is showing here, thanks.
11:05
